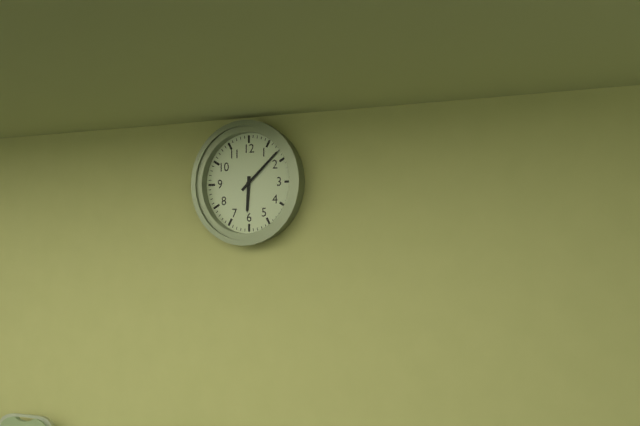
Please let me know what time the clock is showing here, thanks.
6:08
